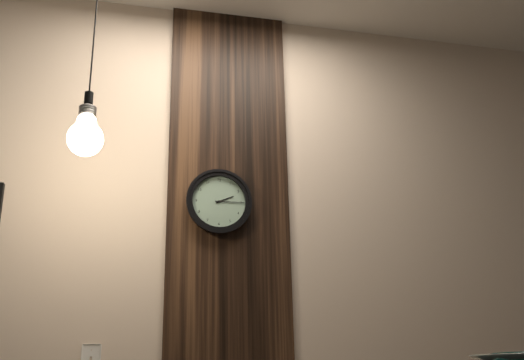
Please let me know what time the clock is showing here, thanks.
2:15
